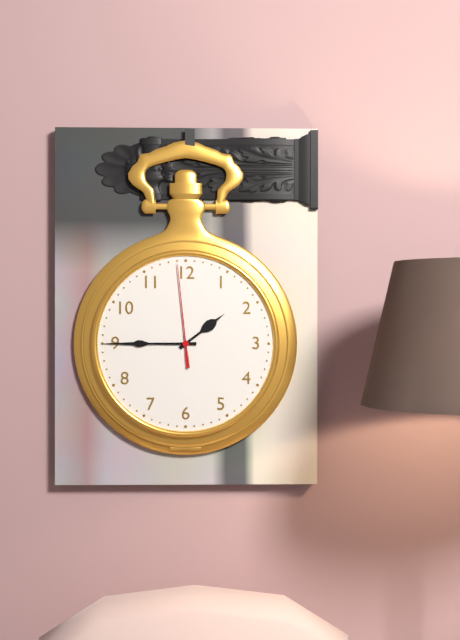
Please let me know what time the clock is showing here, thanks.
1:45:59
